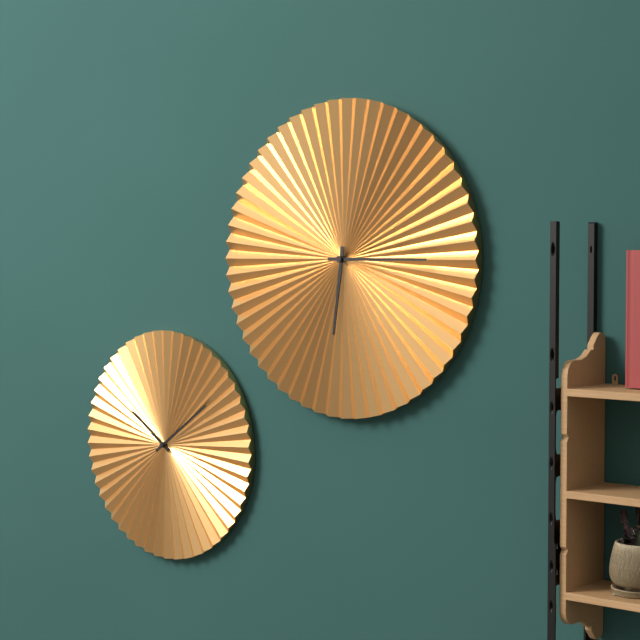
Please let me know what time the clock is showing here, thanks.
6:15
